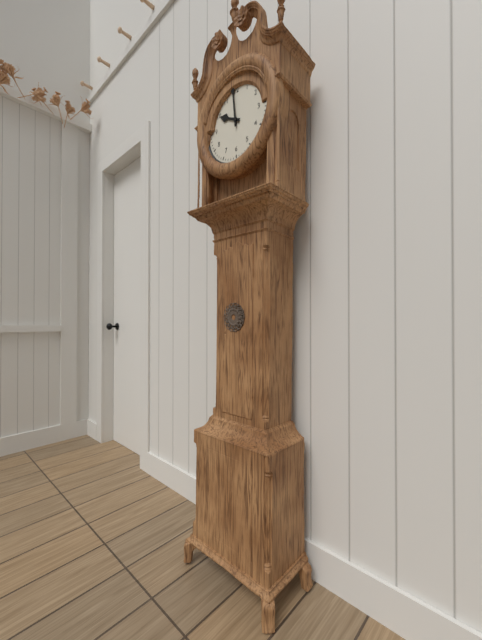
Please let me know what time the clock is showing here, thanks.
9:59
